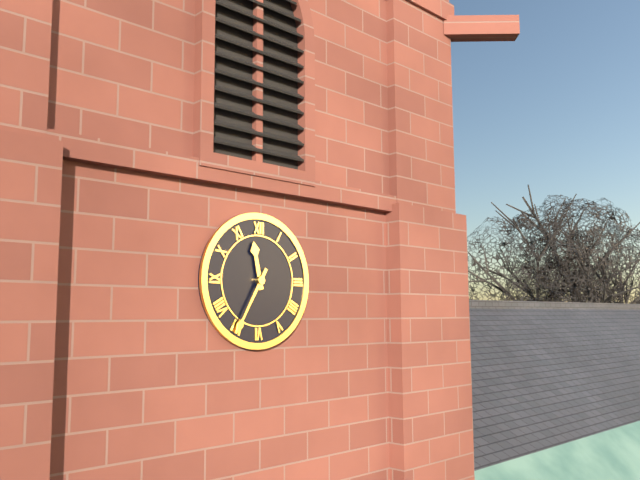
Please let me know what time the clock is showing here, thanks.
11:35
